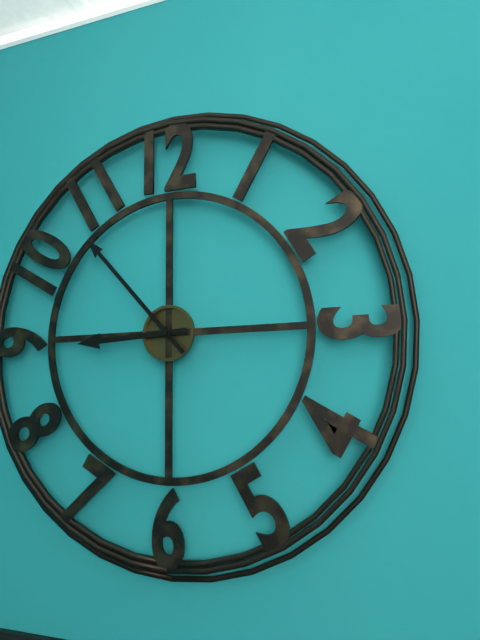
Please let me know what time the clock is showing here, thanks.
8:53
